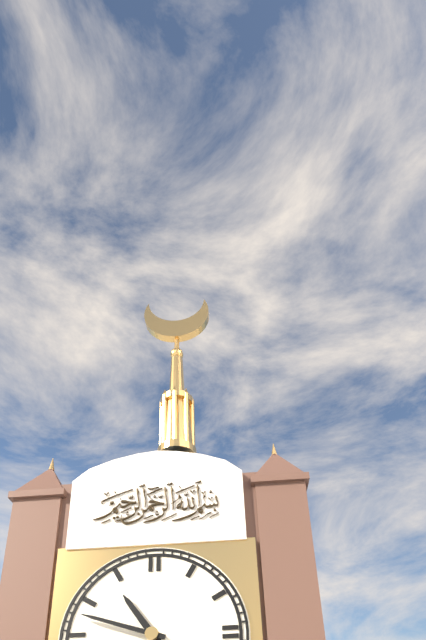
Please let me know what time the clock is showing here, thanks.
10:48
